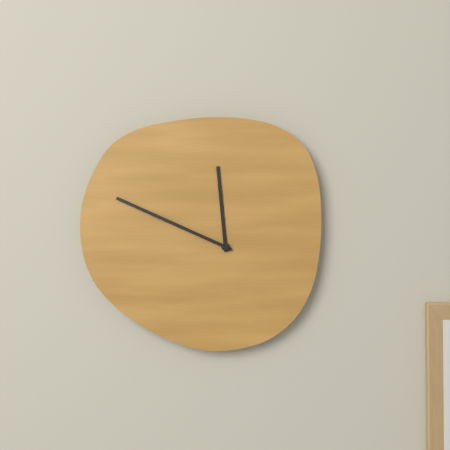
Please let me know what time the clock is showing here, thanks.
11:49
